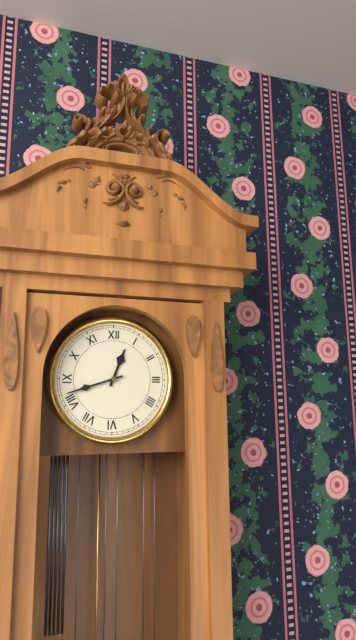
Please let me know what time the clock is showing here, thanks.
12:42
